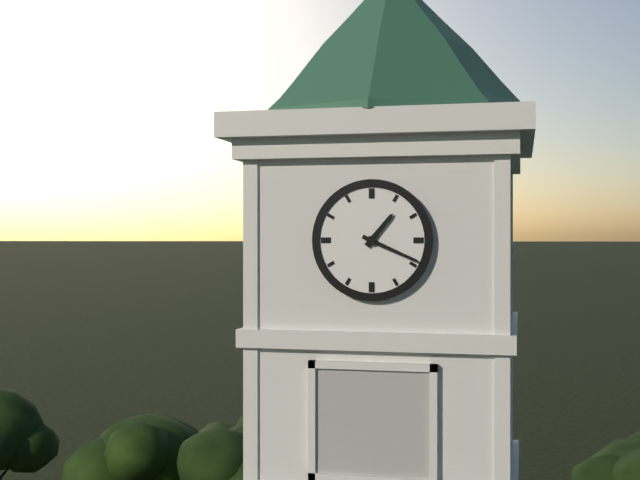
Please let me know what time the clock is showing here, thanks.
1:19
